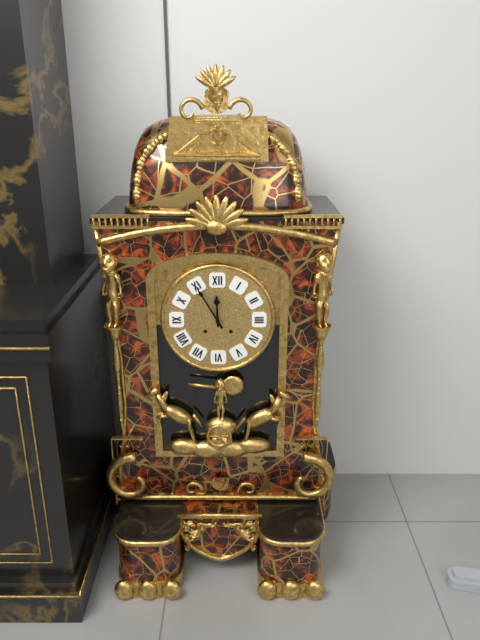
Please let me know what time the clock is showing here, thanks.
11:55
